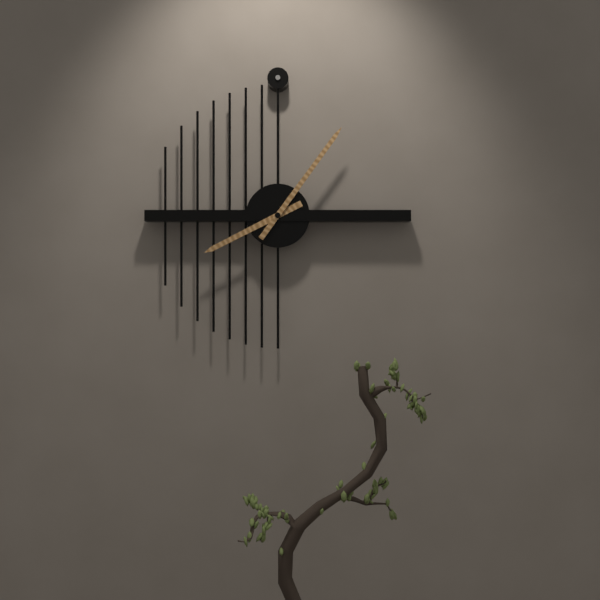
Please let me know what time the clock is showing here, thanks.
8:06
